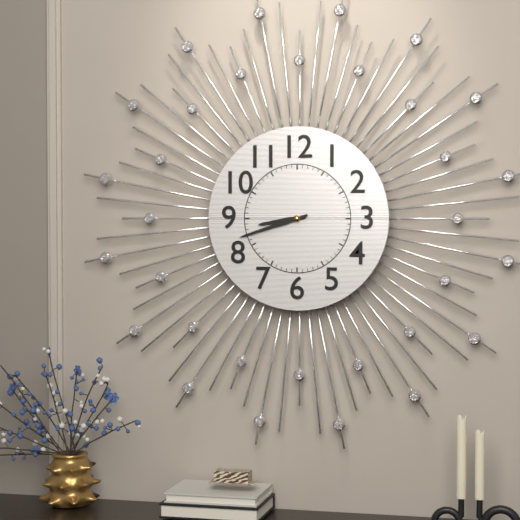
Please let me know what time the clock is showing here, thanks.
8:42
